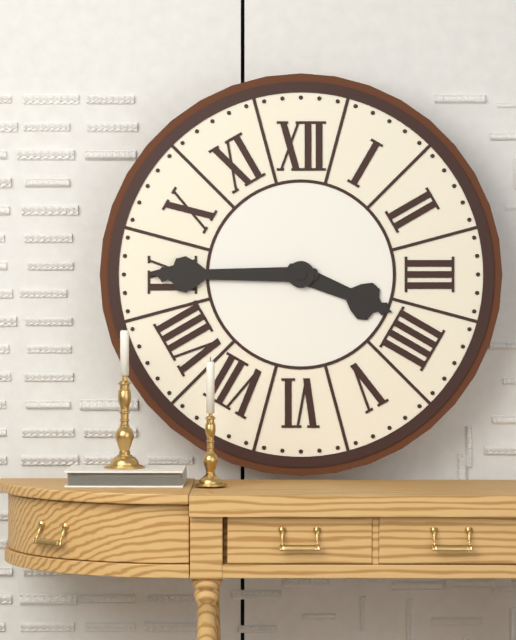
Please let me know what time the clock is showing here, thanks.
3:45
